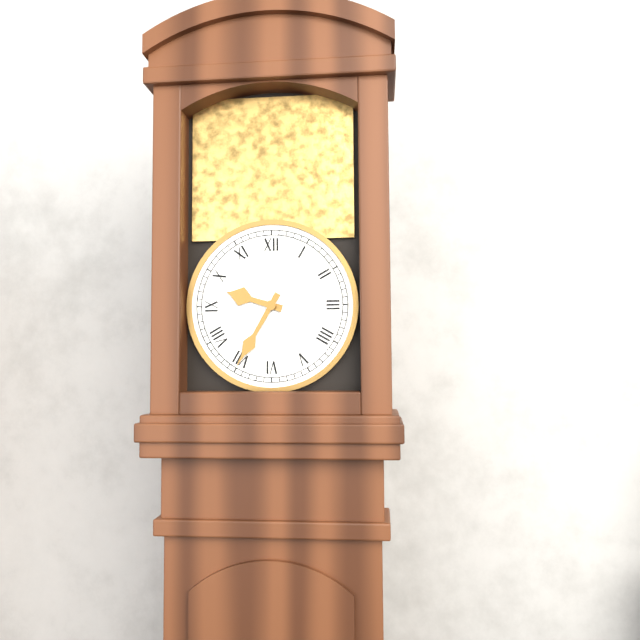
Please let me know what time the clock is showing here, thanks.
9:35
